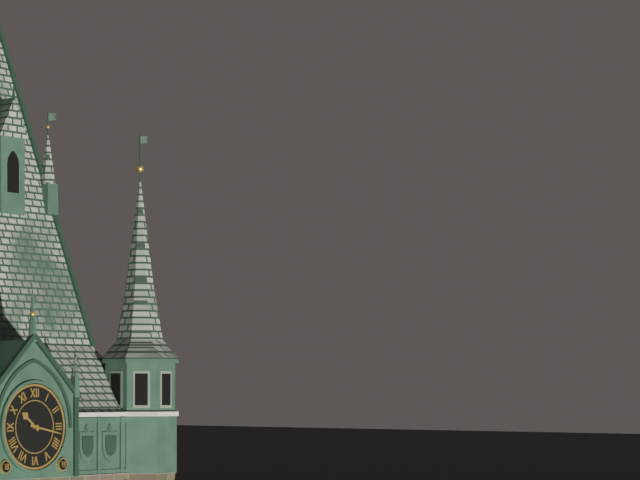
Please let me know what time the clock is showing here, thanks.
10:17
